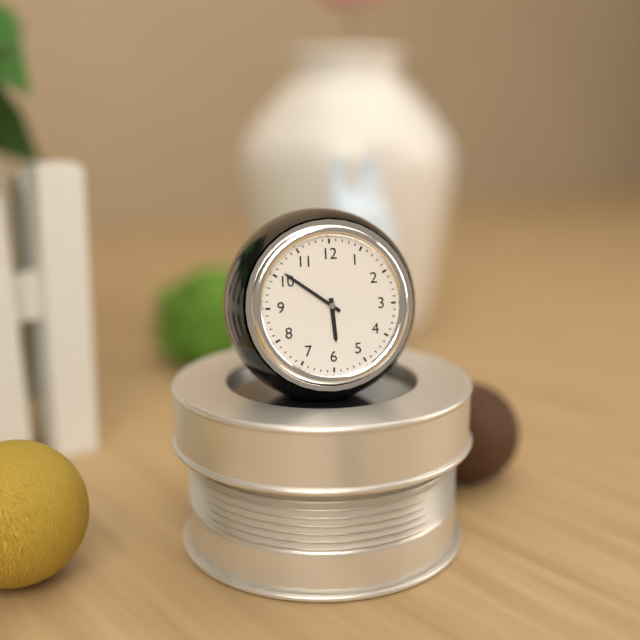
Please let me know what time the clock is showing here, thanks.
5:51
